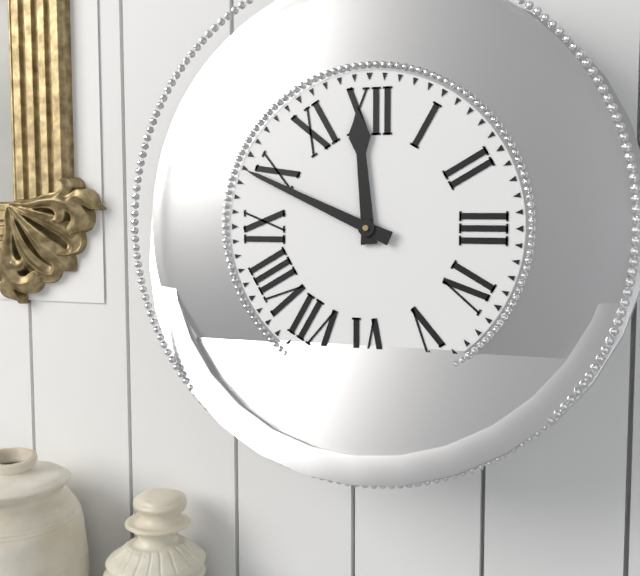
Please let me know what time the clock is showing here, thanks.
11:49
